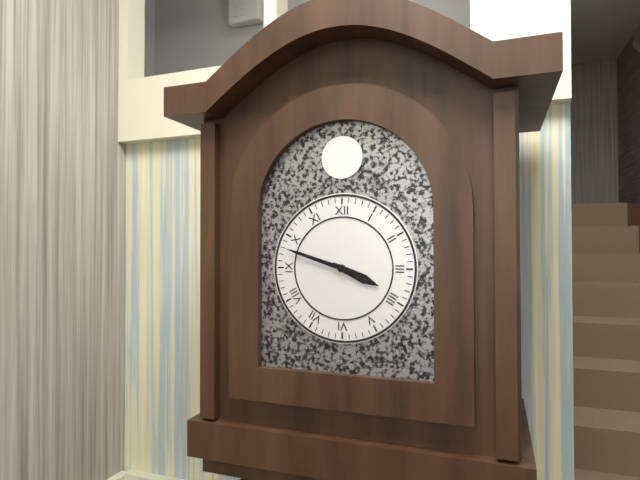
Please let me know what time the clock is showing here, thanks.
3:48
